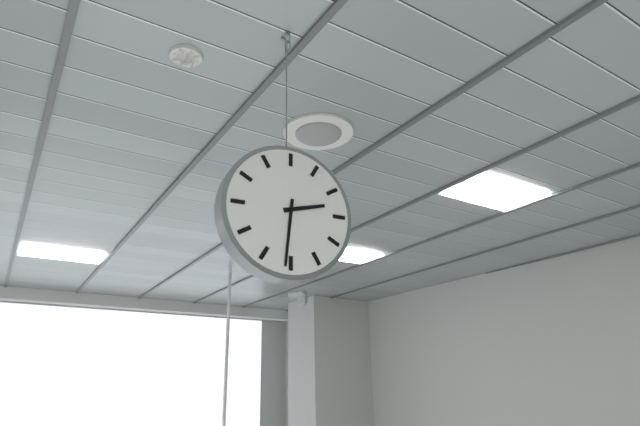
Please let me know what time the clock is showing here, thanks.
2:31
